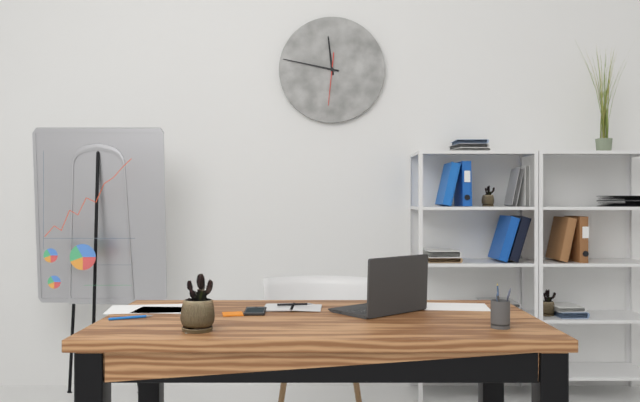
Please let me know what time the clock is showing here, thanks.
11:47
